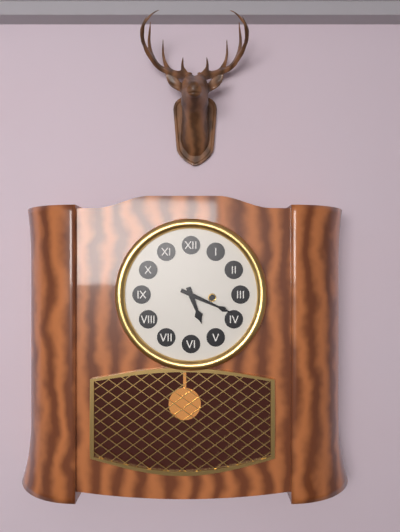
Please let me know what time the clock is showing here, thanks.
5:19
